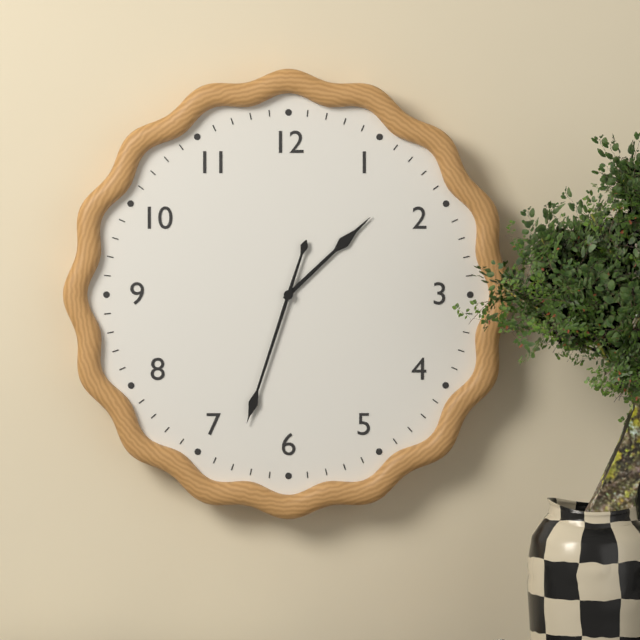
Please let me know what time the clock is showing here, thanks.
1:33
